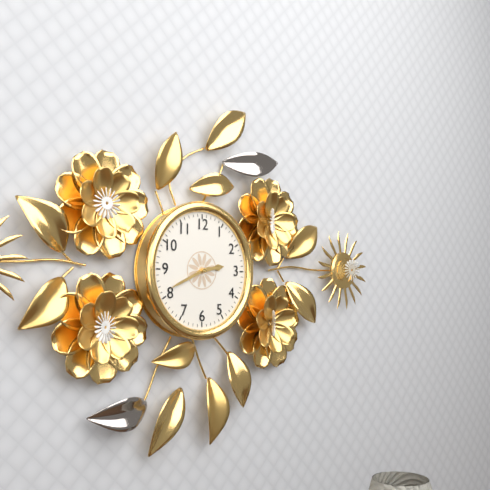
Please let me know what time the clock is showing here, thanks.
2:41
